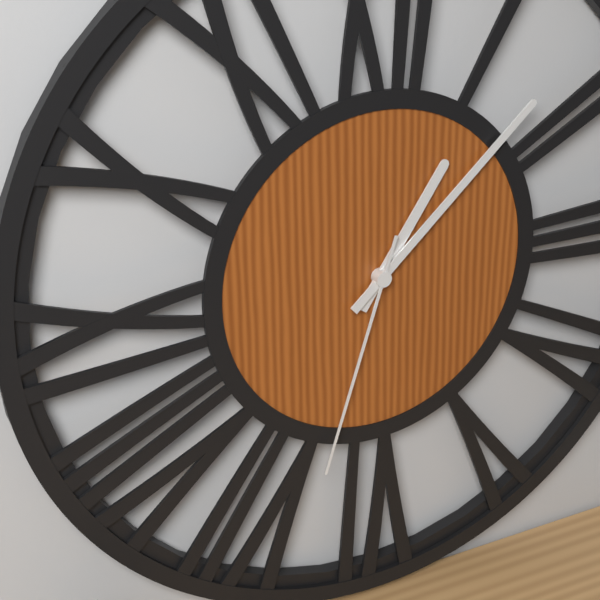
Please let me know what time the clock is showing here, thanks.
1:08:33
